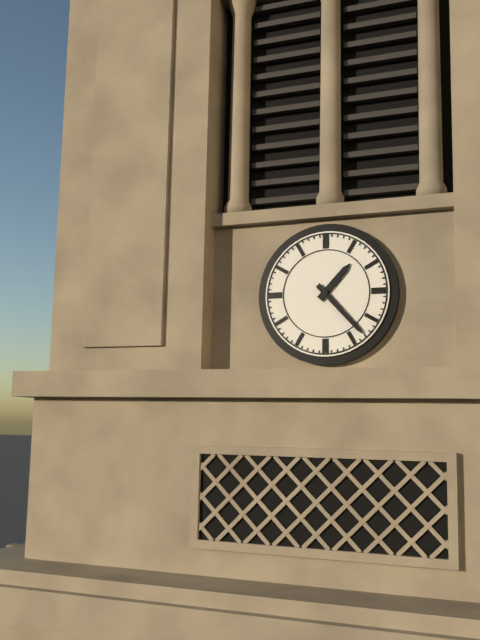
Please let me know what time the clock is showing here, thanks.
1:23
